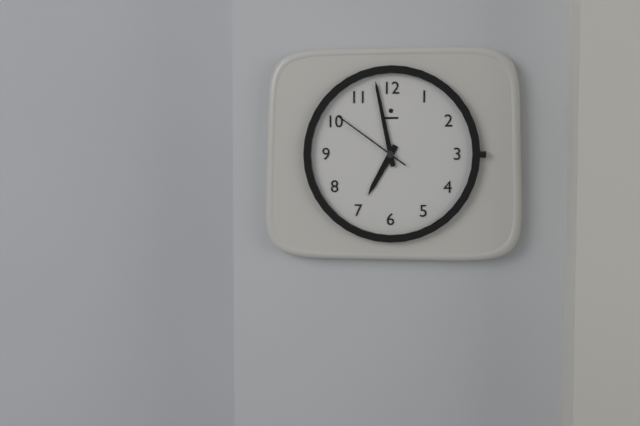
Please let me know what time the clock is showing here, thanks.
6:58:51
